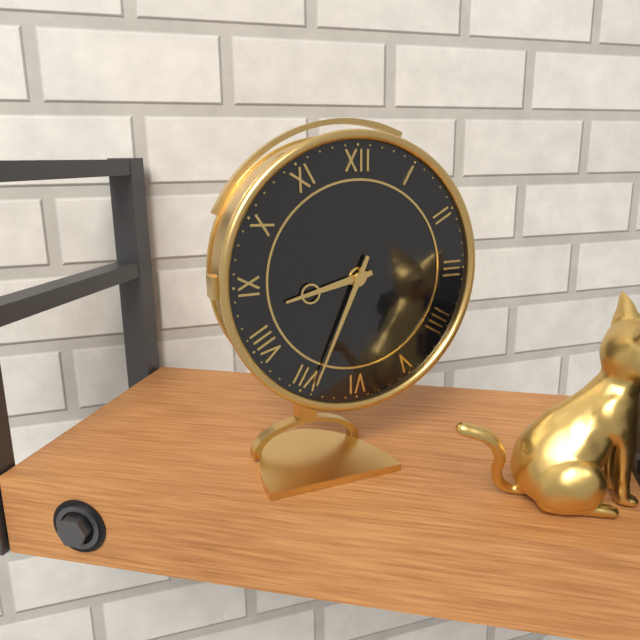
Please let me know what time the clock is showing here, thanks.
8:34
